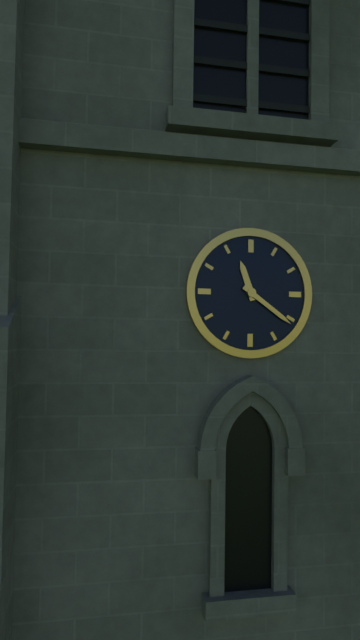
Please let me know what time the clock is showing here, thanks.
11:21
